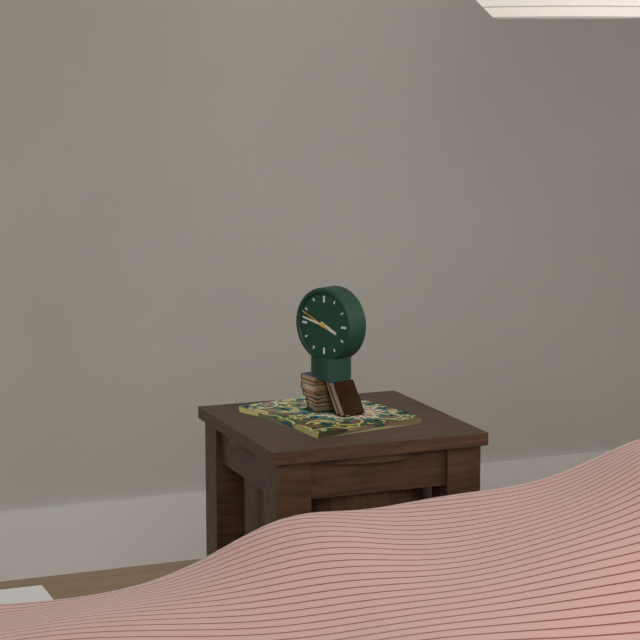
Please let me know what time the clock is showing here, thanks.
3:47
